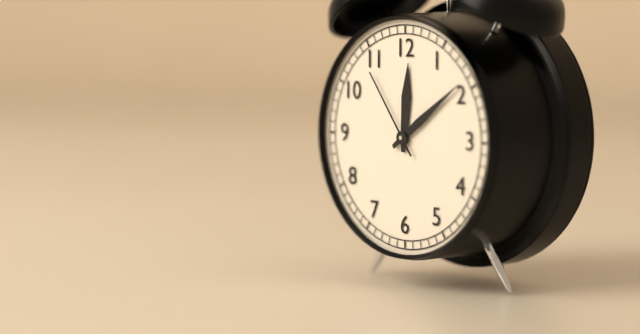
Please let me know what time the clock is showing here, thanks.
12:09:54
